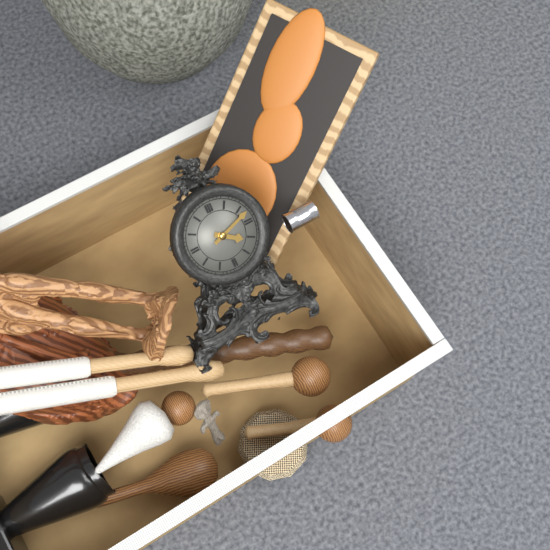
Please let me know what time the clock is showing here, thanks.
4:12
